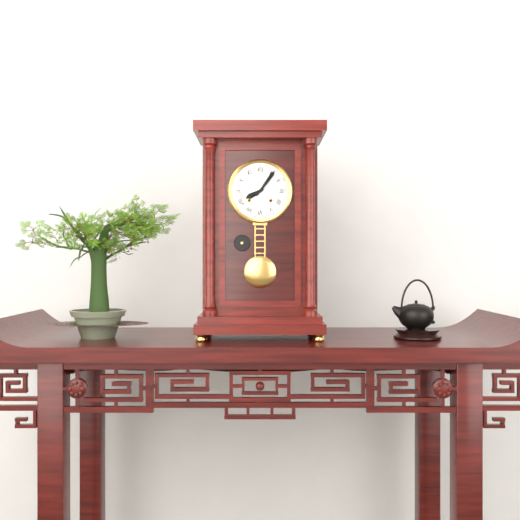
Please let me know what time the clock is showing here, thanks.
8:06
